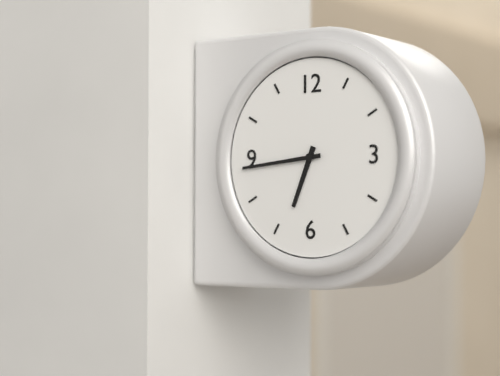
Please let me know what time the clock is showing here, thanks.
6:44
